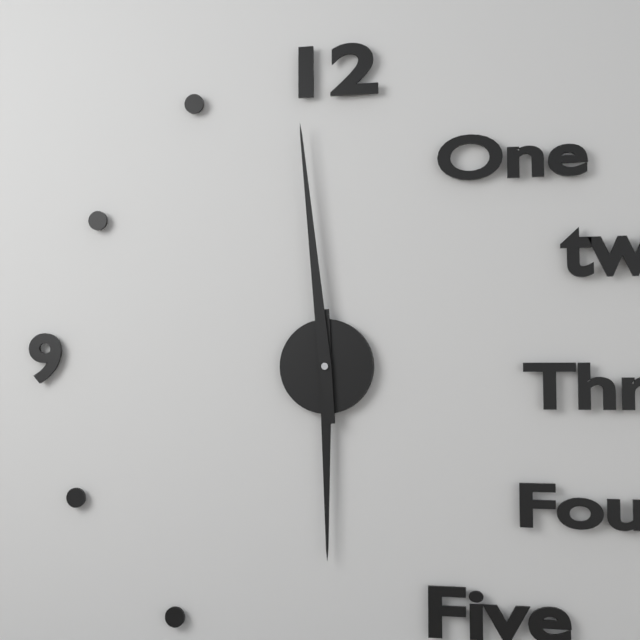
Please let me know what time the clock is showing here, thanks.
5:59
